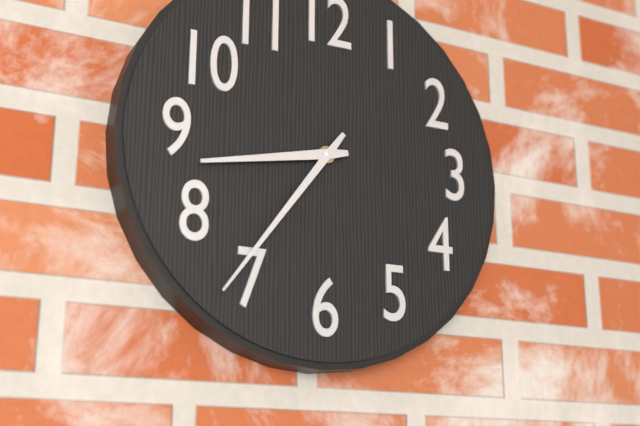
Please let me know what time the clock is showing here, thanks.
8:36
